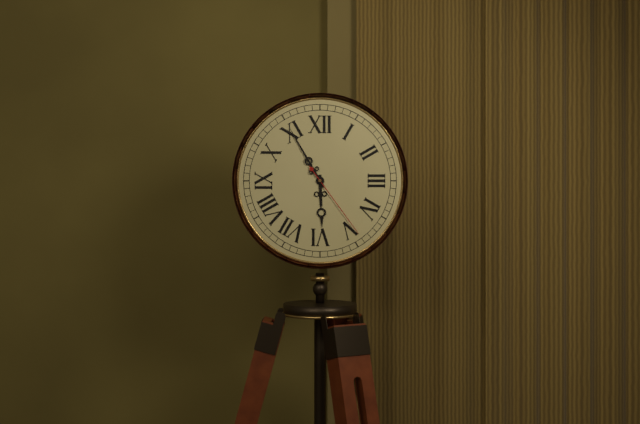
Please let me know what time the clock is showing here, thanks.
5:55:24
